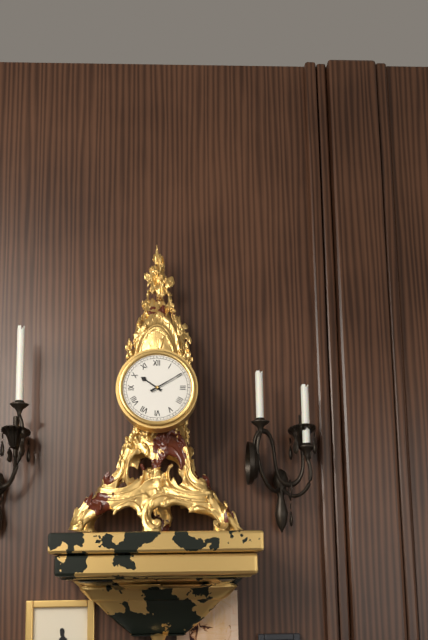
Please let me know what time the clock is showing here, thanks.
10:10
